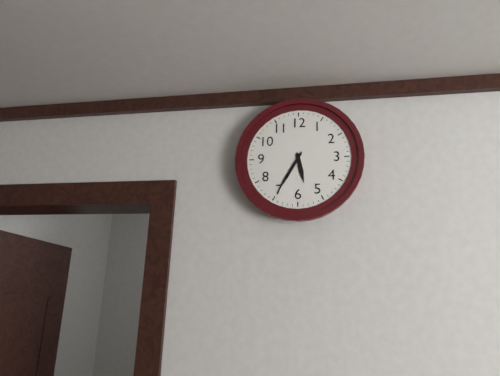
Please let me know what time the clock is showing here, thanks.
5:35
